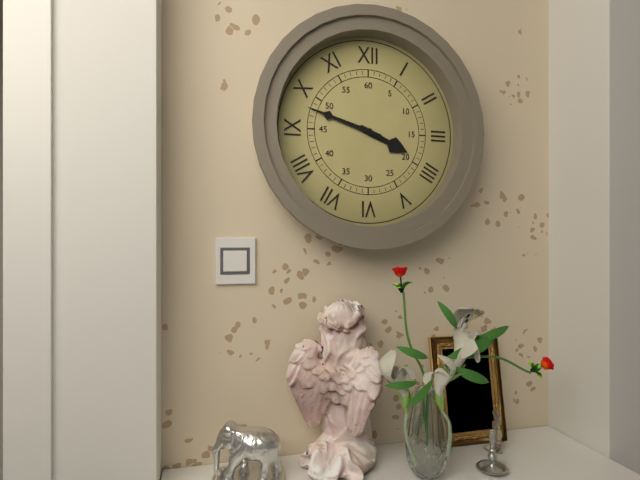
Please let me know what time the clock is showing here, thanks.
3:48
